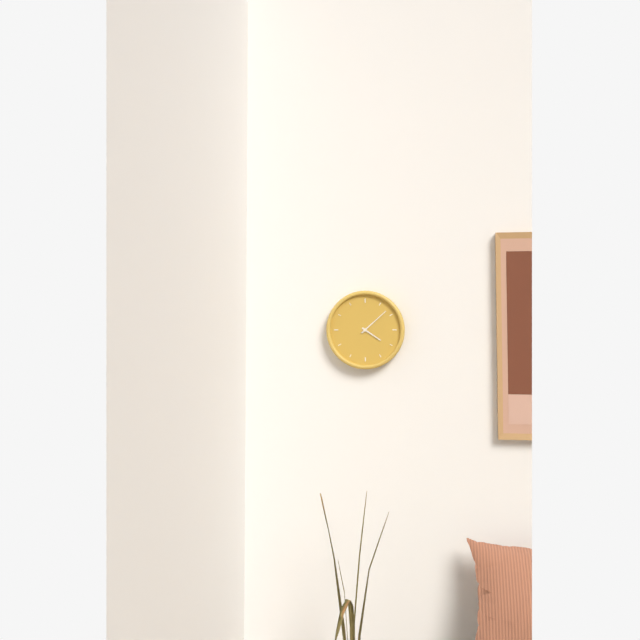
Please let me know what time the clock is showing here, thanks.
4:08
